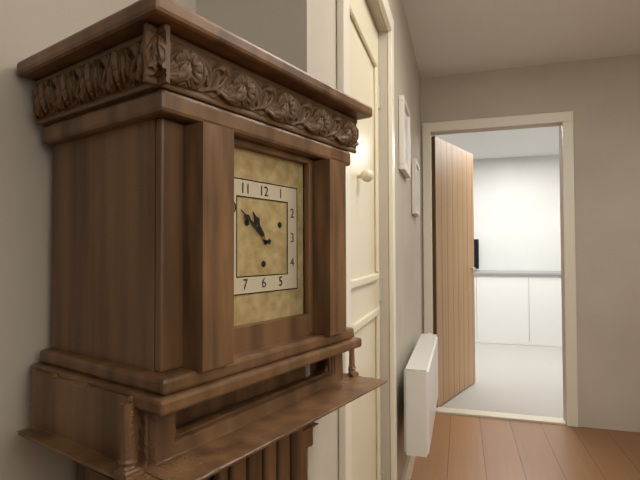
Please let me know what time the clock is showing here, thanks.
10:51
